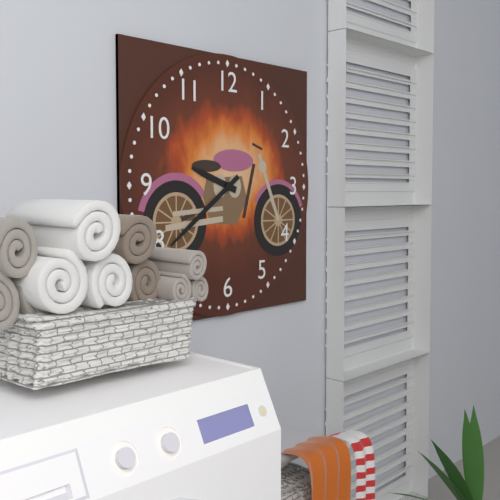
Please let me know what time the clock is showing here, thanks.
9:39
